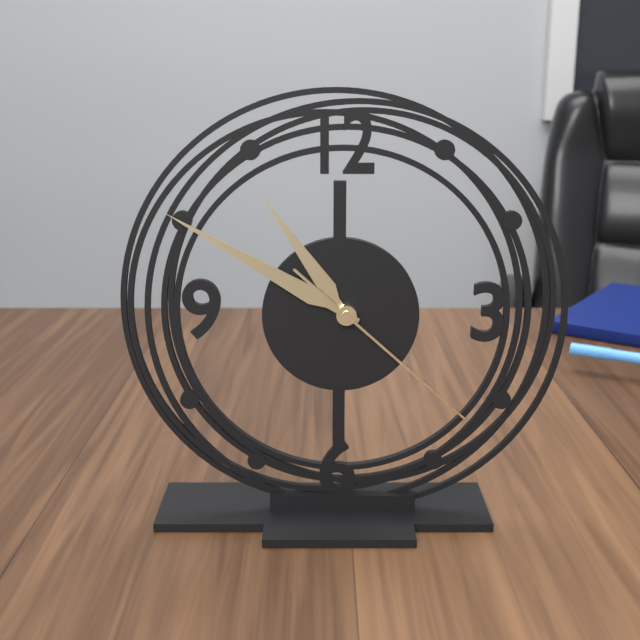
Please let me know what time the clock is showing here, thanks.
10:50:22
